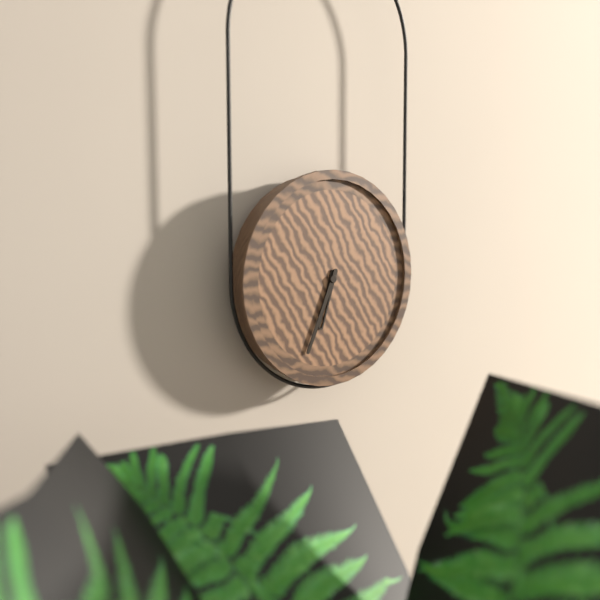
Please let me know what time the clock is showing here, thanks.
6:34
